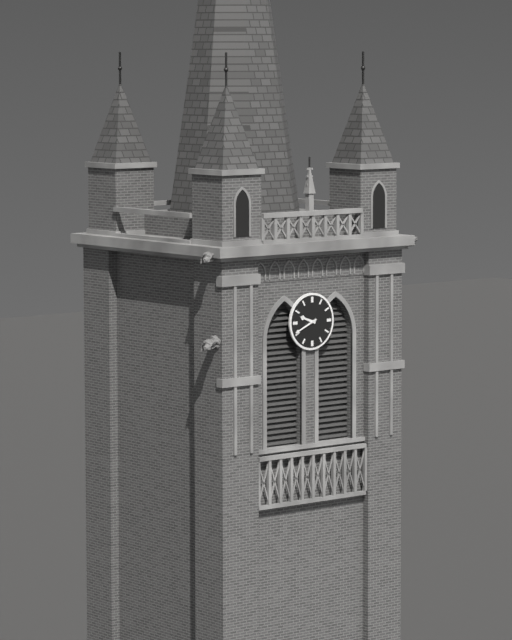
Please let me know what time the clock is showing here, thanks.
9:41
